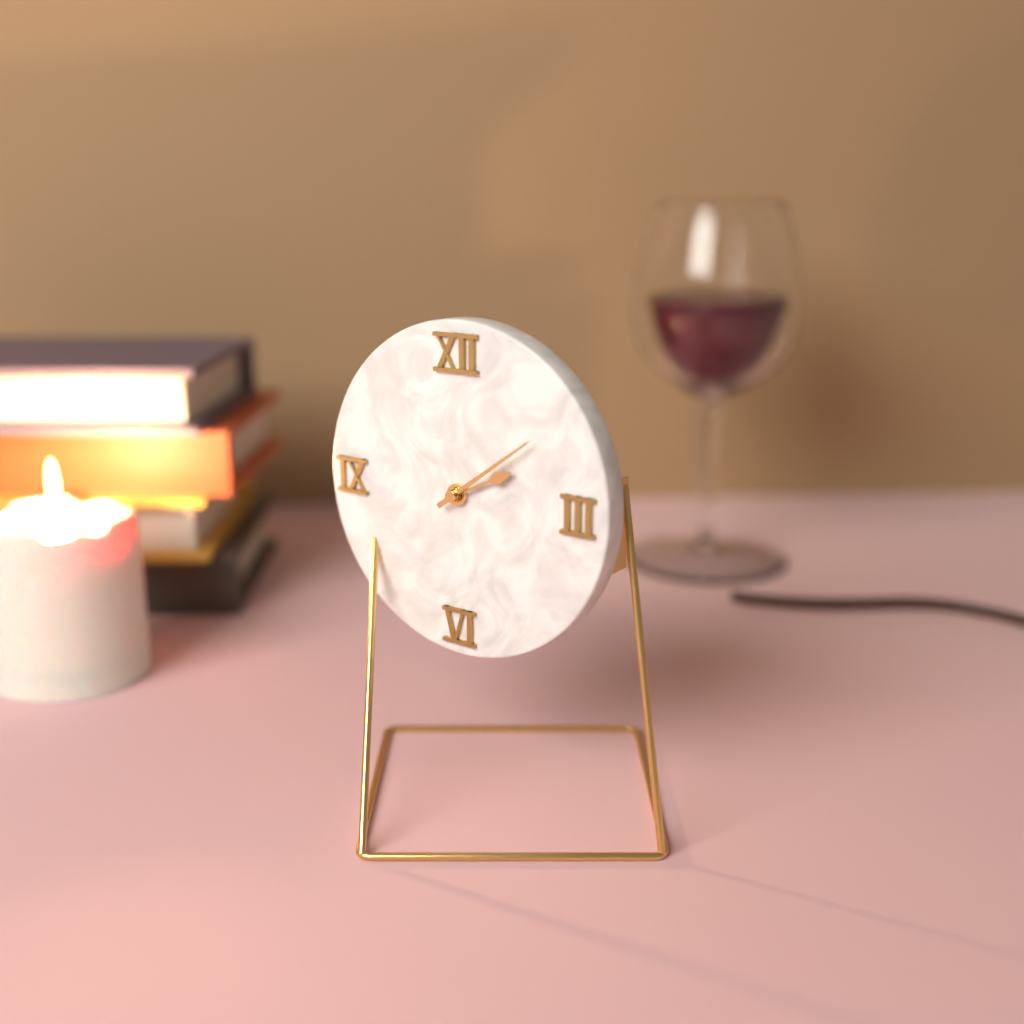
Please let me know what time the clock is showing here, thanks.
2:09
